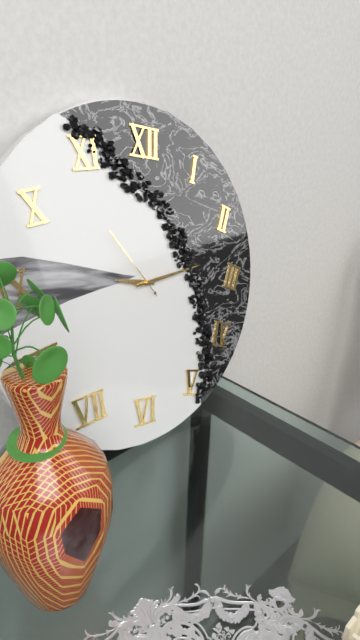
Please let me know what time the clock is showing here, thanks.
9:13:53
